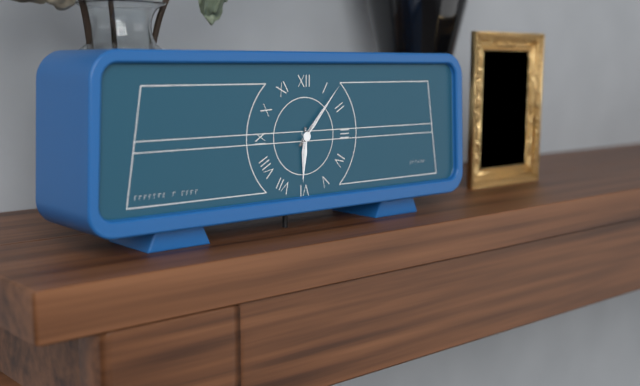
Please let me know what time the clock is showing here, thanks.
6:07
